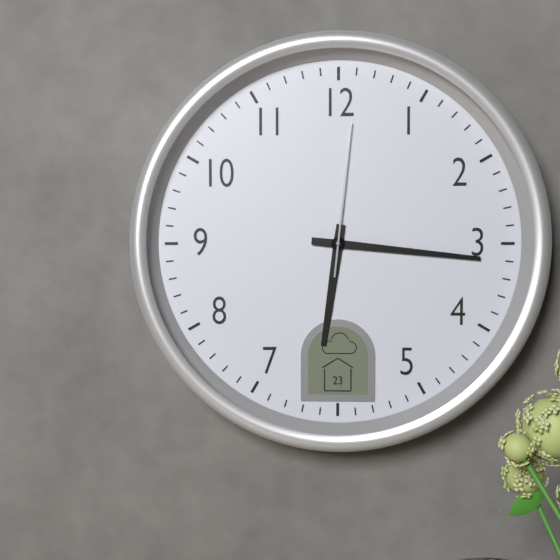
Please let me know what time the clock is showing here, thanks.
6:16:01
